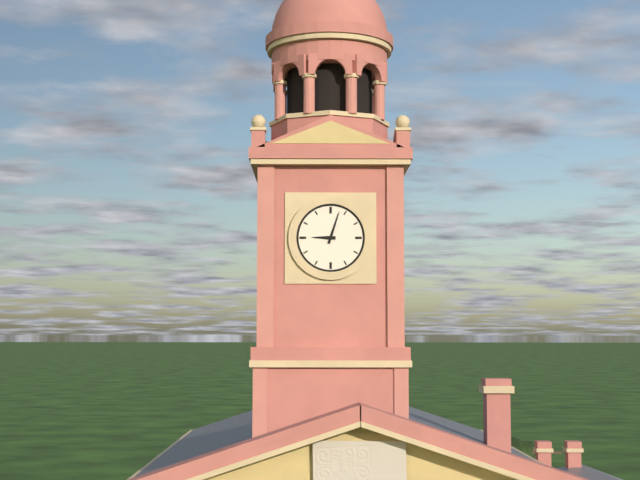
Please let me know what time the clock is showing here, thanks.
9:03
